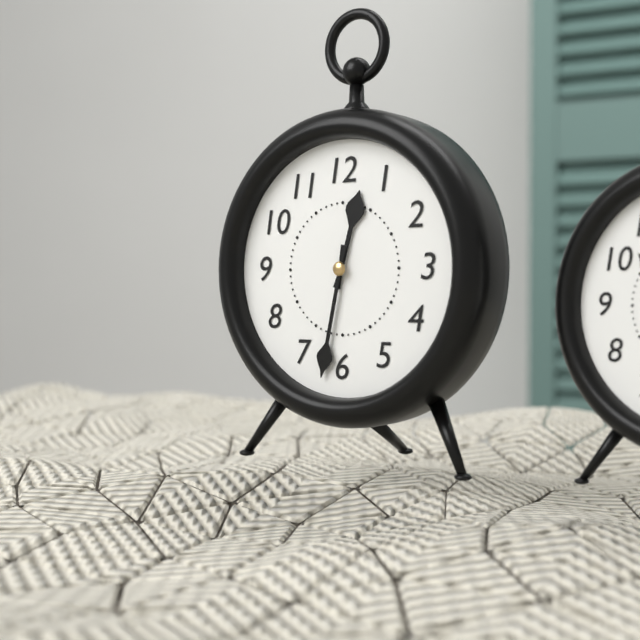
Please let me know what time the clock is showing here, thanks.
12:32
